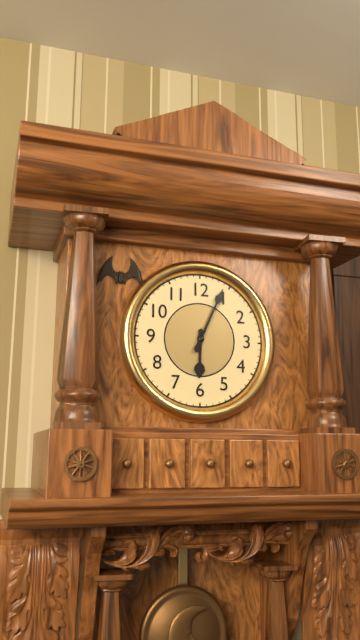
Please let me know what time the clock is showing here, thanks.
6:04
